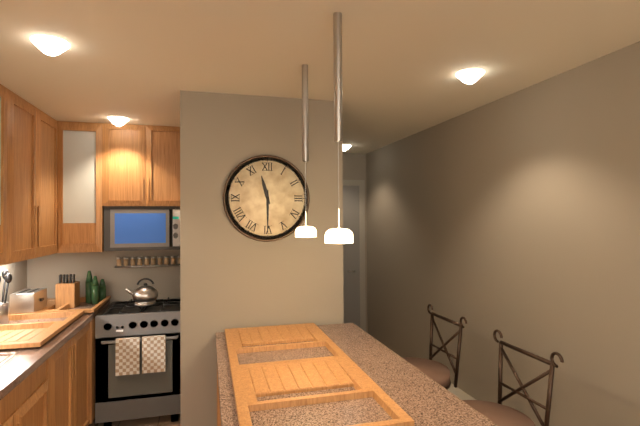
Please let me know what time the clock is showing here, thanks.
11:30
